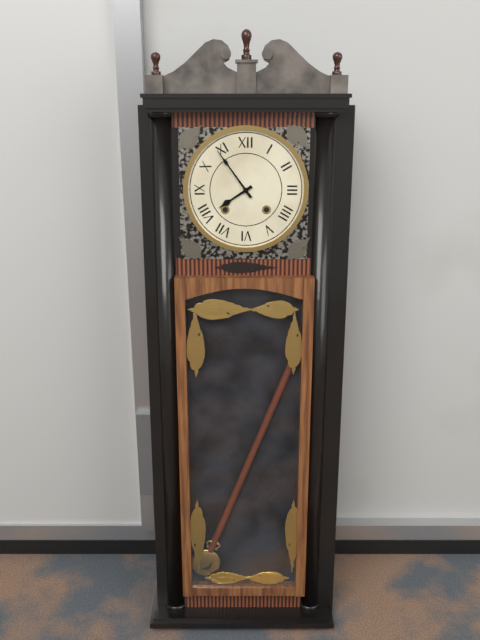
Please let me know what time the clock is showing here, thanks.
7:54
